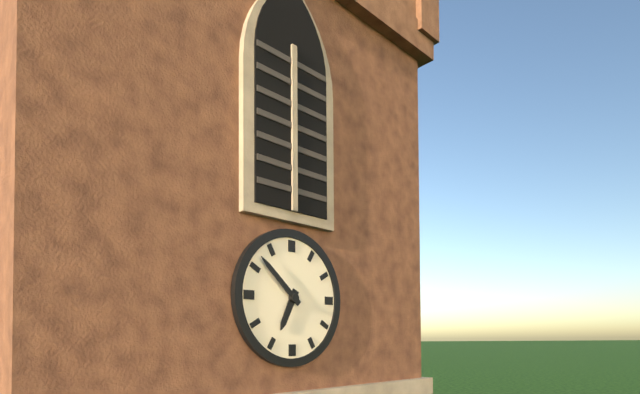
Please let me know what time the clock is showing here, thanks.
6:52
